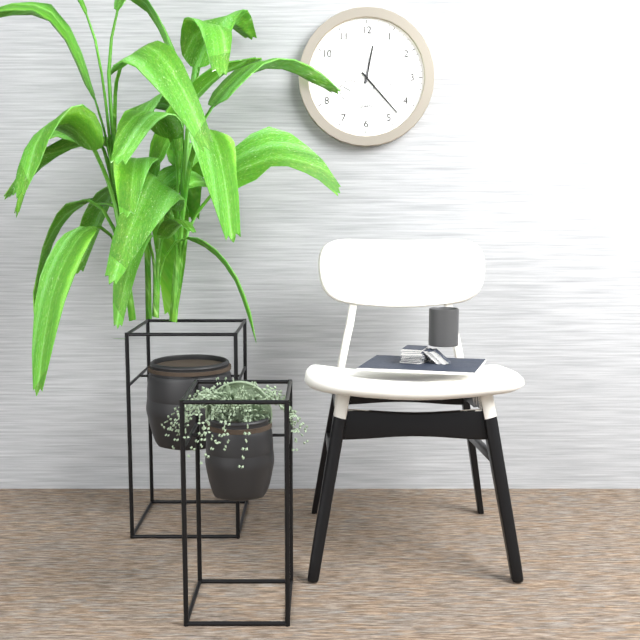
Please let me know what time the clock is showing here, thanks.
12:23:01
